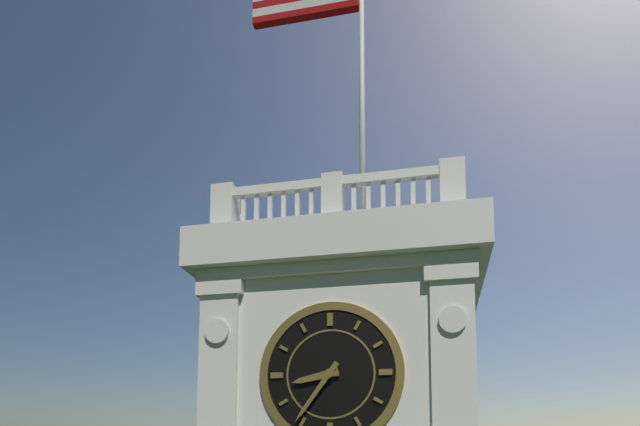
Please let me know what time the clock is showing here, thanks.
8:36
